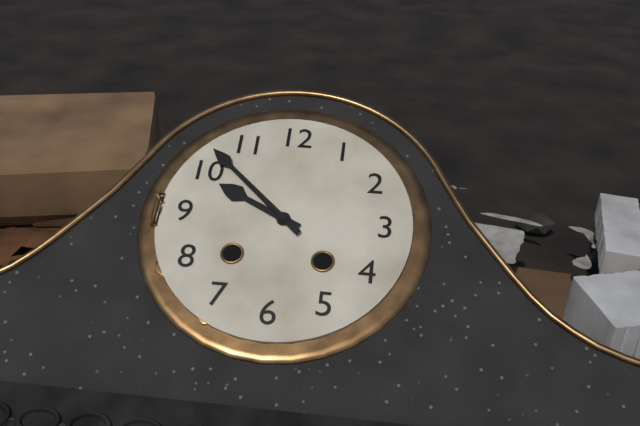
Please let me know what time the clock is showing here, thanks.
9:52
